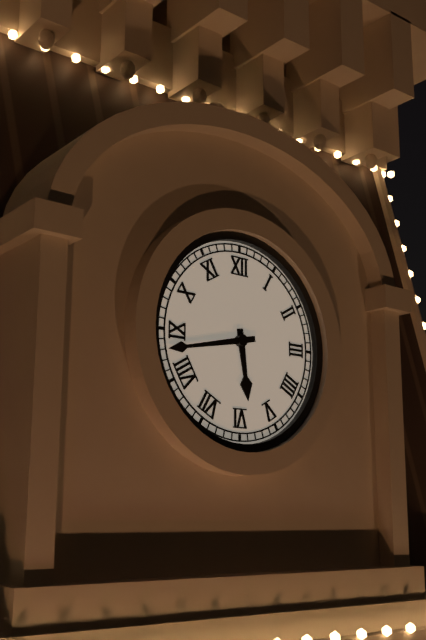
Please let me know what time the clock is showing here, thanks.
5:43
